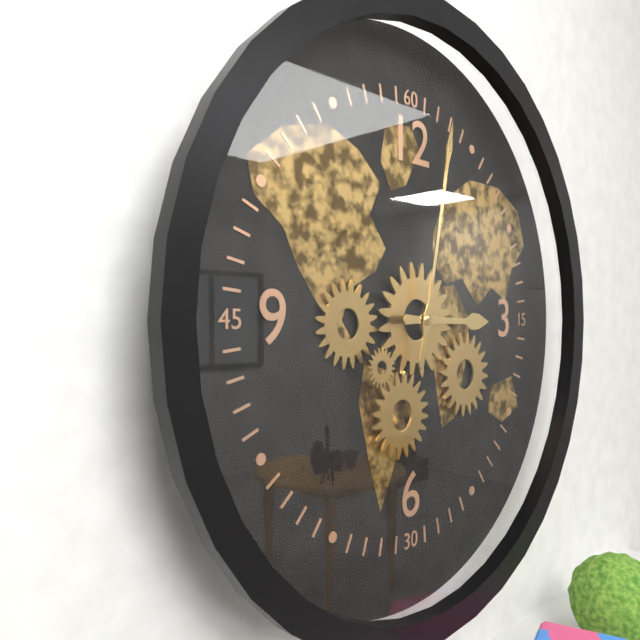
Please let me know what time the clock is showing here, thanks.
3:02
